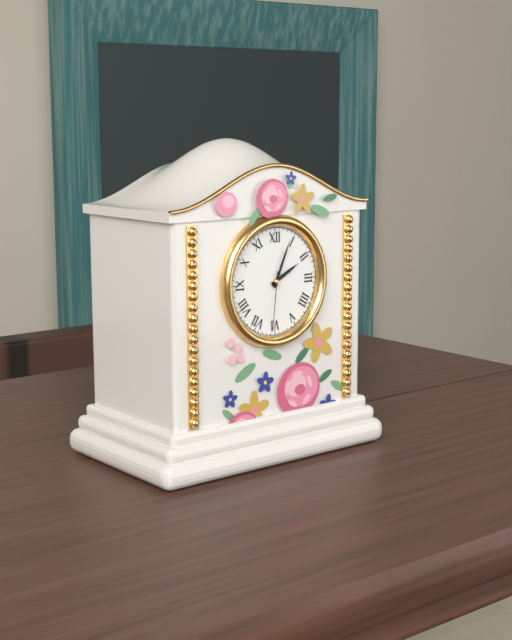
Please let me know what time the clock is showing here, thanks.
2:04:31
